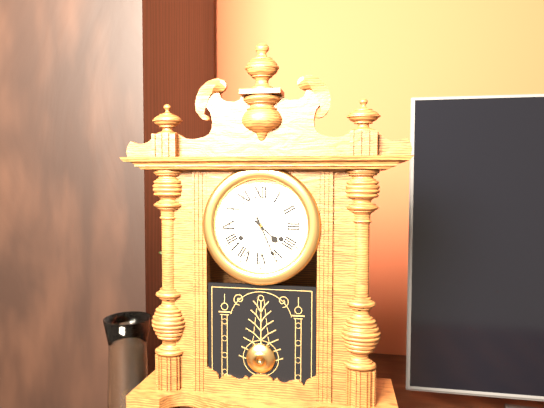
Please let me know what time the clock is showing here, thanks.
4:26
